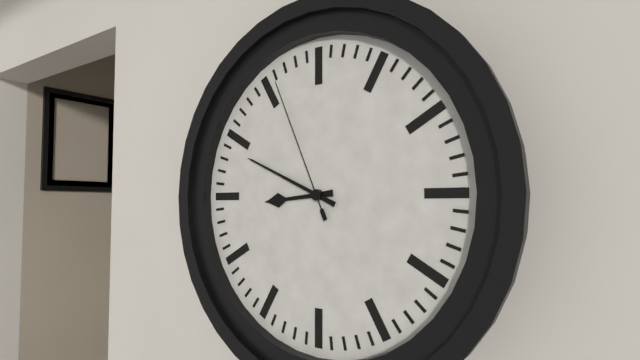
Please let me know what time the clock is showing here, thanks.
8:49:56
